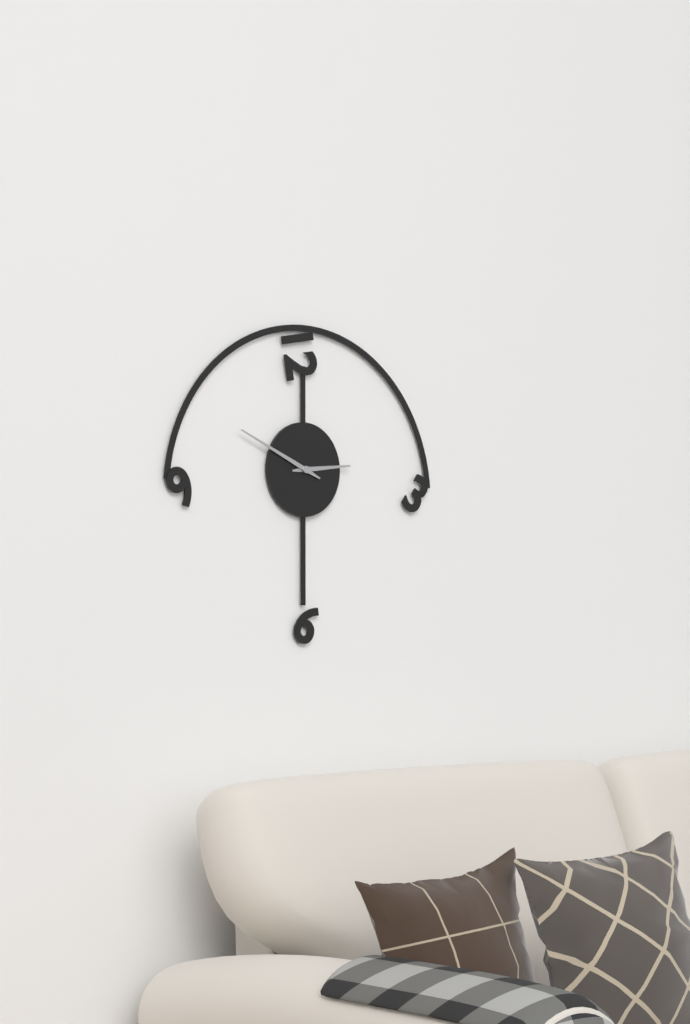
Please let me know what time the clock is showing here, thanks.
2:49
